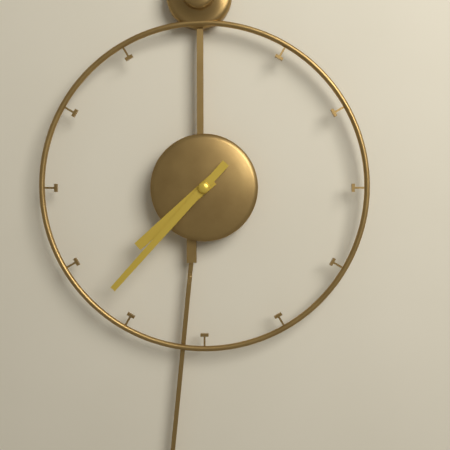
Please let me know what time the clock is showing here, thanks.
7:37
